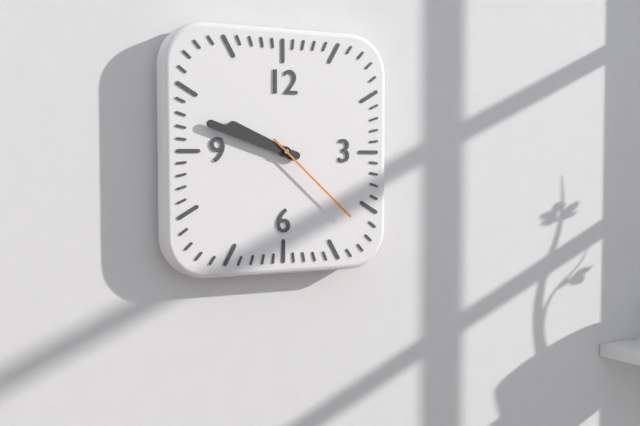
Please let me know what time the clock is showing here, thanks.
9:48:22
